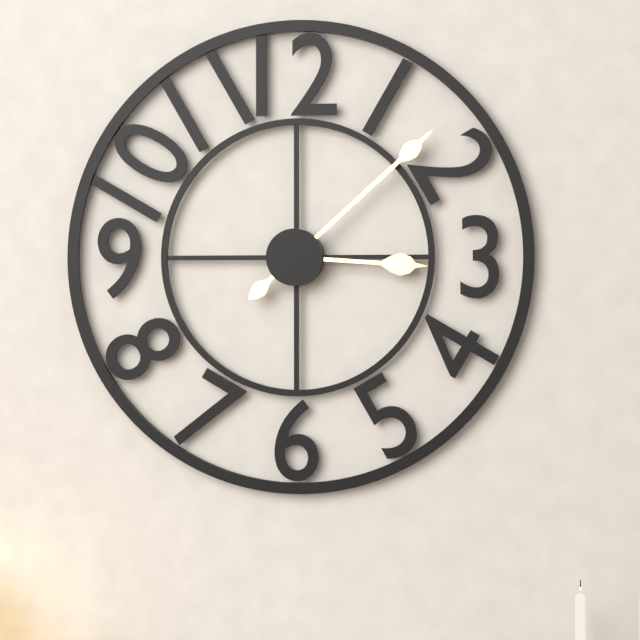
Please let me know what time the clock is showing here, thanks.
3:08
